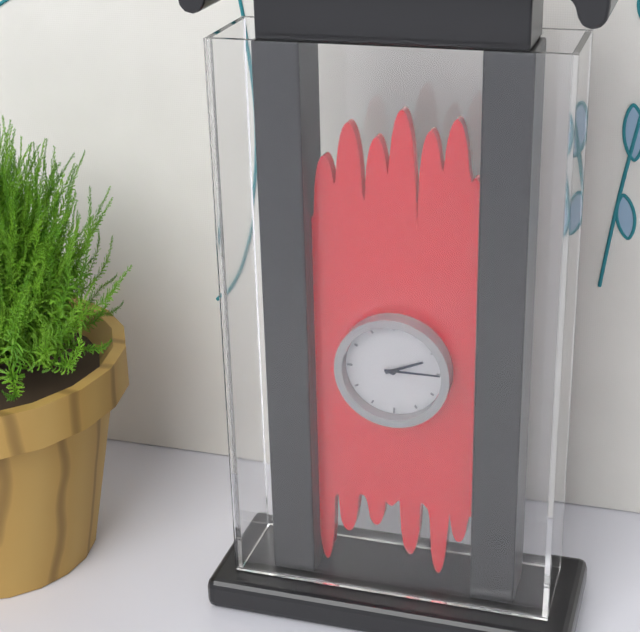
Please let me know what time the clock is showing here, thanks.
2:15
